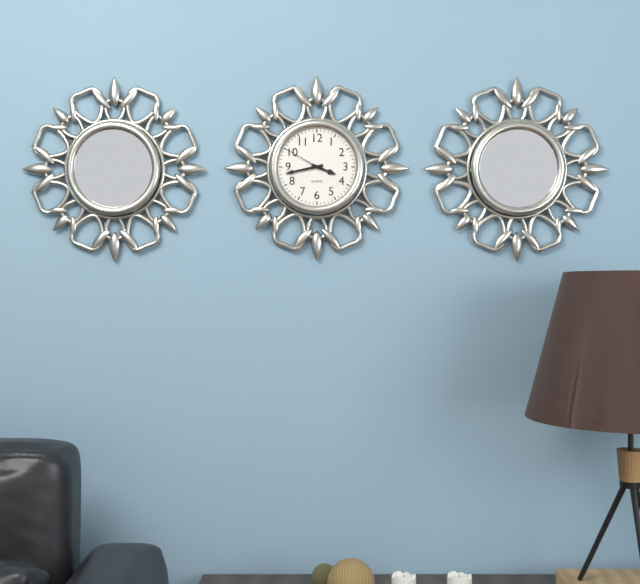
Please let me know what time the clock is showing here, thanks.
3:43
